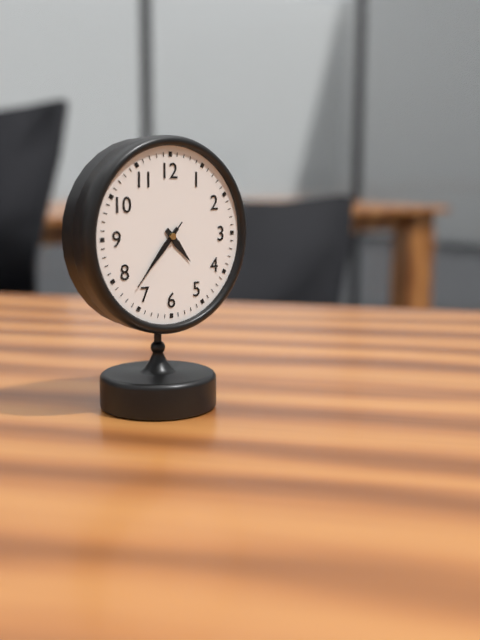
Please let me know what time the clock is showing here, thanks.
4:37:37
